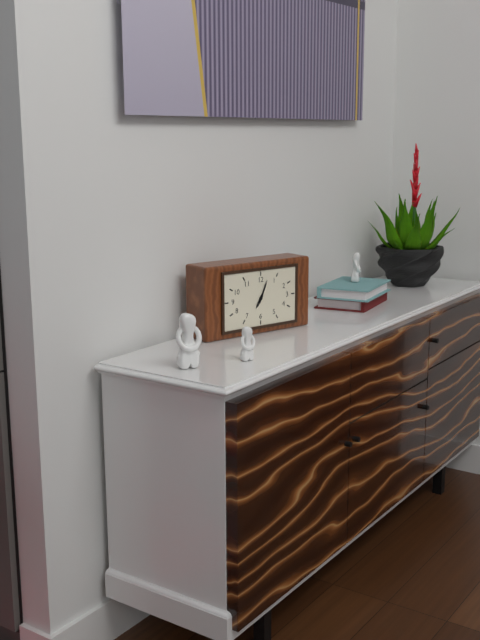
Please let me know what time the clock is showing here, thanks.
7:04
